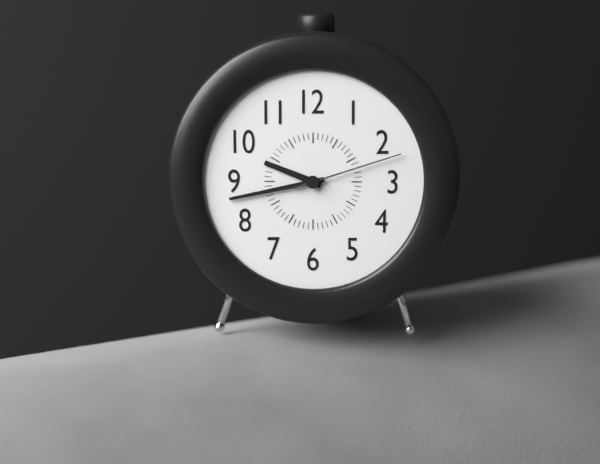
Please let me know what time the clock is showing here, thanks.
9:43:12
